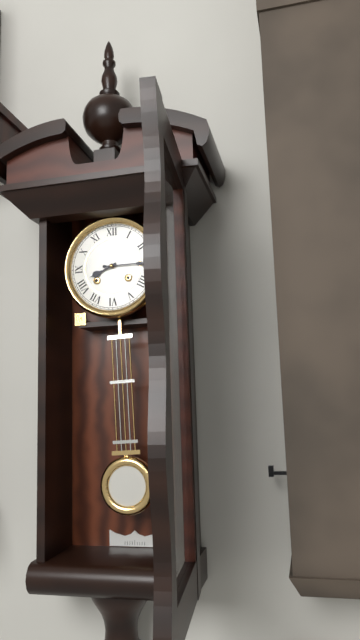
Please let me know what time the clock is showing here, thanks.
8:15
